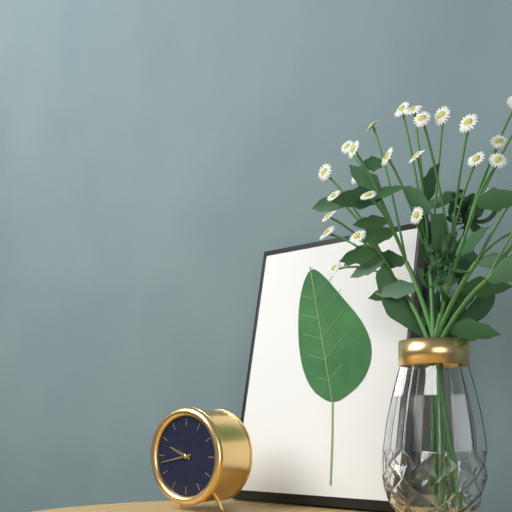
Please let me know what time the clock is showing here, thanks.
9:43
